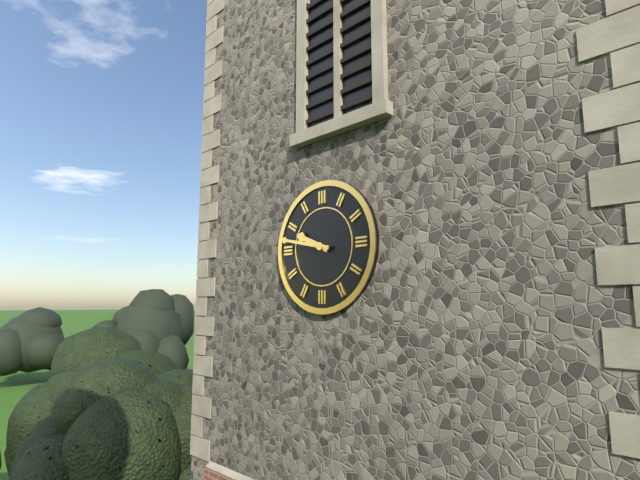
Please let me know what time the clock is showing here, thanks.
9:47
